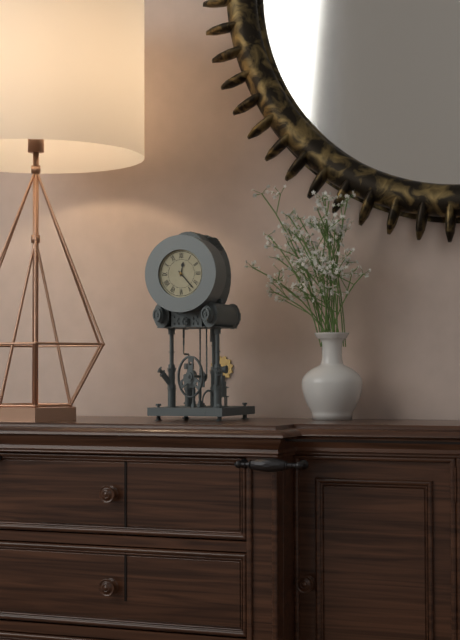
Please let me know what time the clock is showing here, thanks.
12:23
